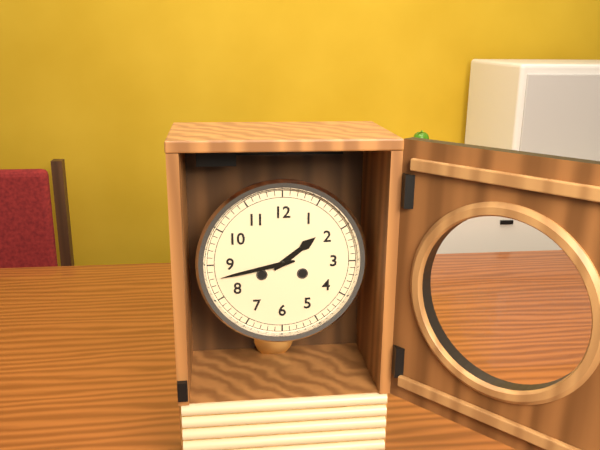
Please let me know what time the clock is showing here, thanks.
1:43
